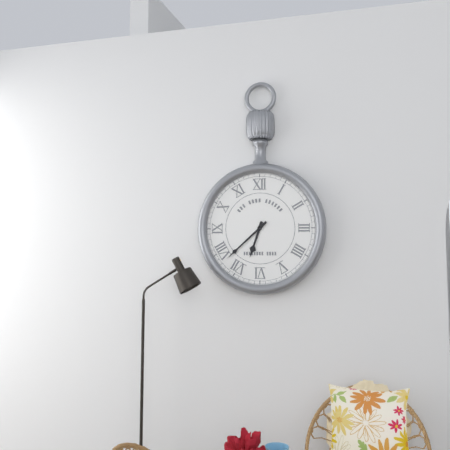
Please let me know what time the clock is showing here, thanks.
6:38
